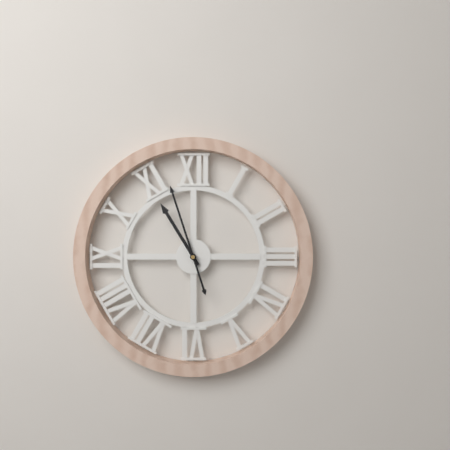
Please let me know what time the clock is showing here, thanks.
10:57
